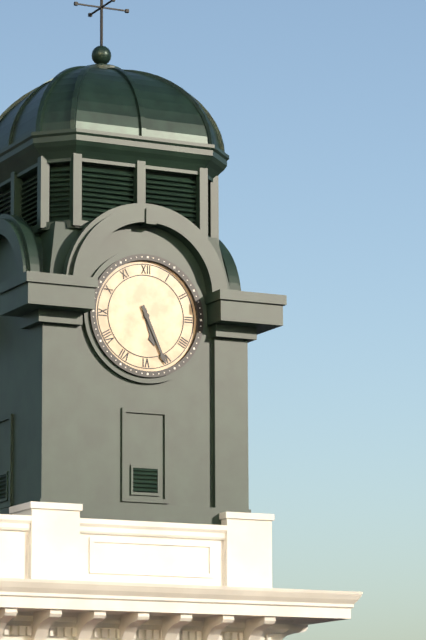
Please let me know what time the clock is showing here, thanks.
5:26
